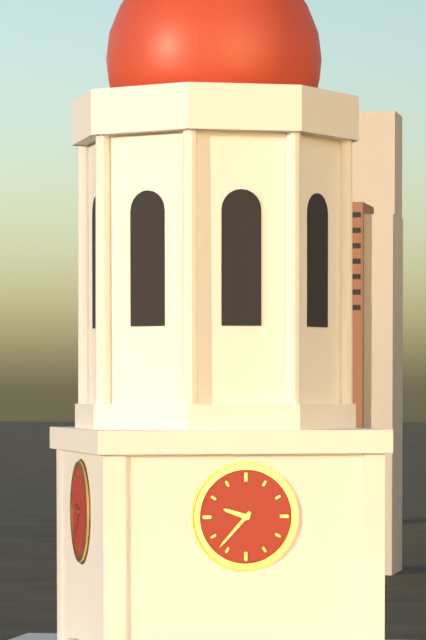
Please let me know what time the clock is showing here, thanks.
9:37
